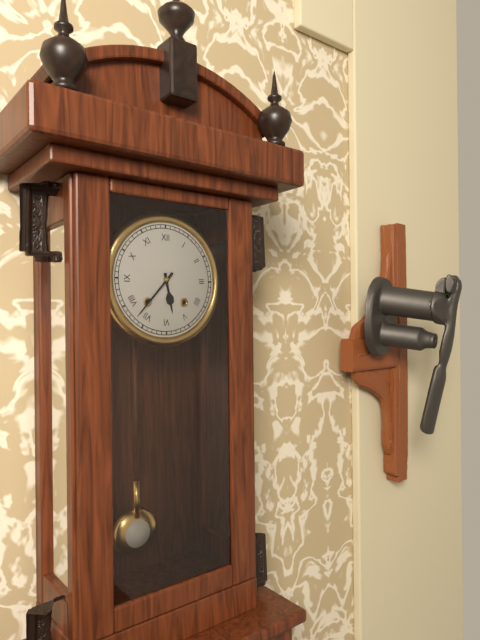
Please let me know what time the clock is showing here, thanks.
5:37
